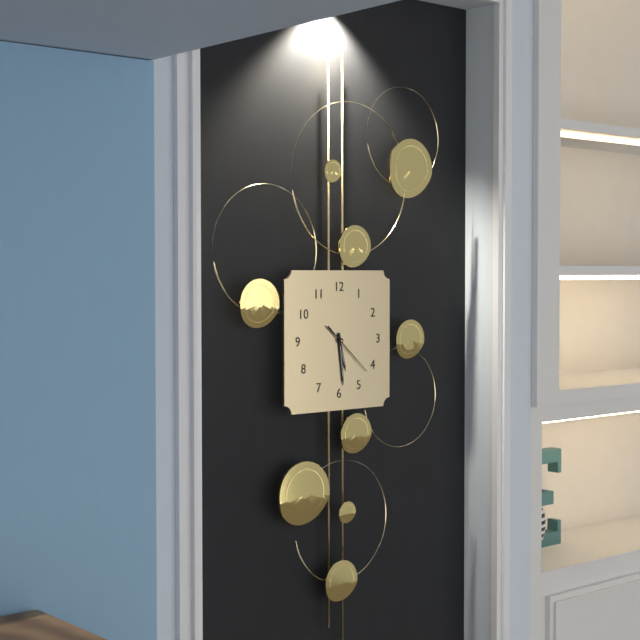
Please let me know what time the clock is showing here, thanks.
5:29:22
